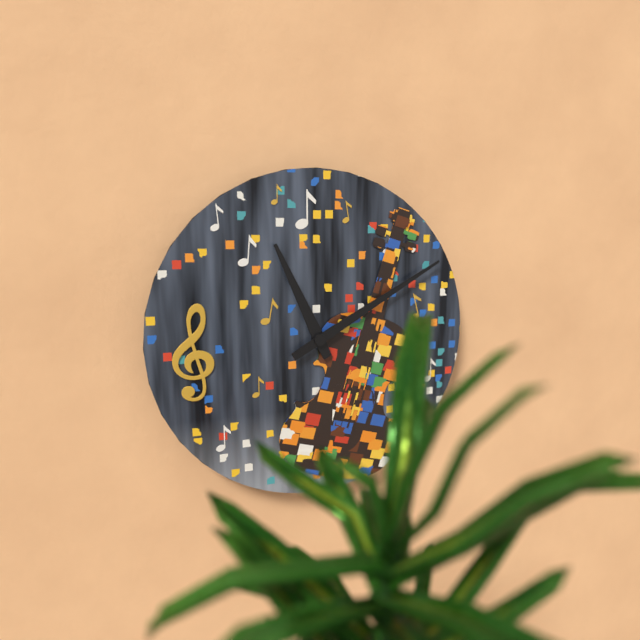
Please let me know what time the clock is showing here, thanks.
11:10
